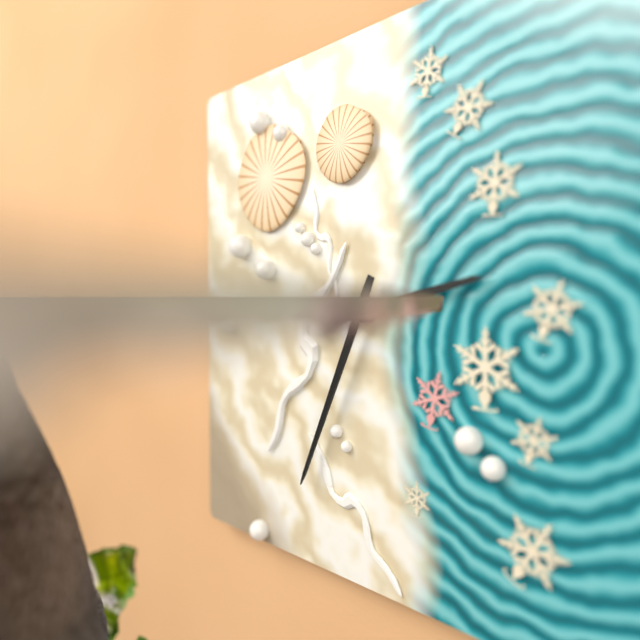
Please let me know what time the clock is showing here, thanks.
2:34
